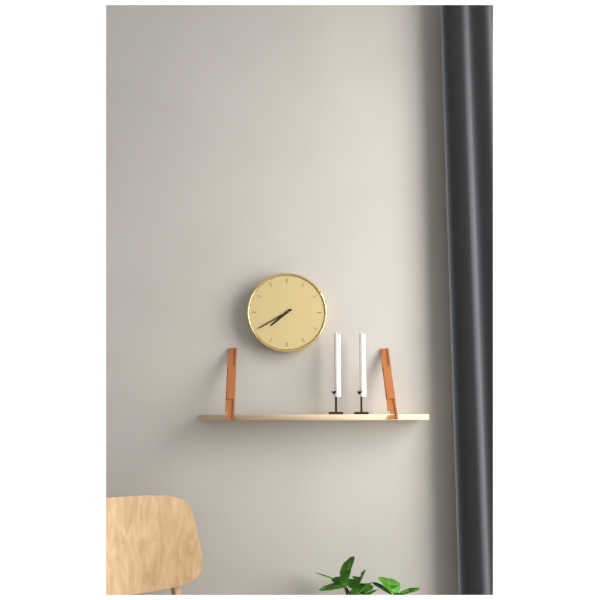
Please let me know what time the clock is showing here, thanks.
7:40
